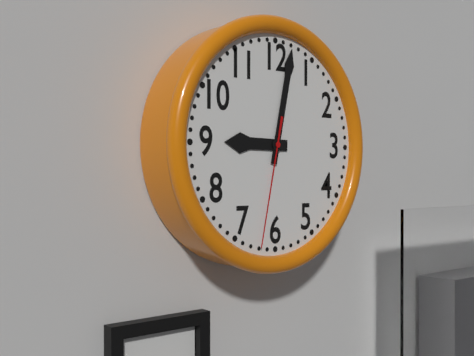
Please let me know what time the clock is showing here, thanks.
9:02:32
